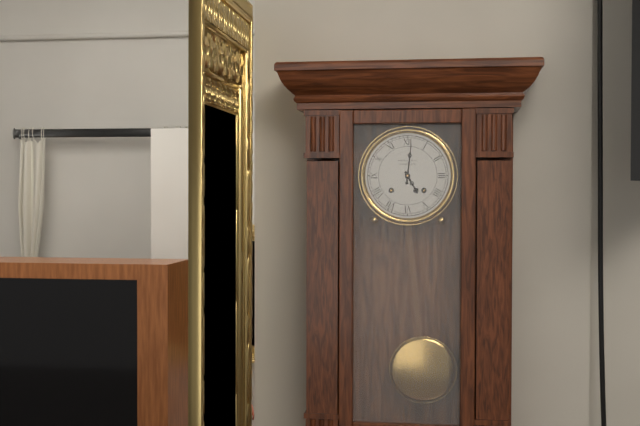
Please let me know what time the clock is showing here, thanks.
5:01
